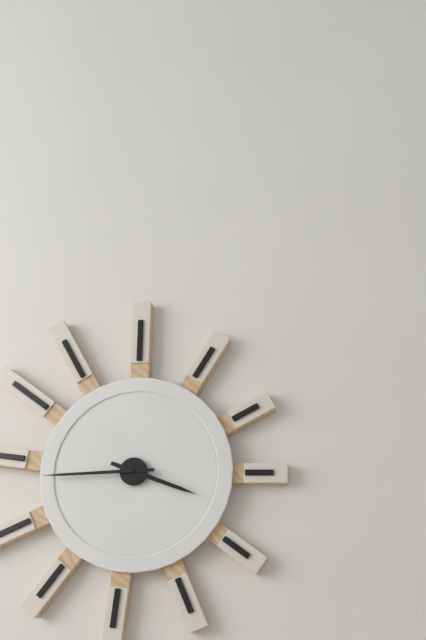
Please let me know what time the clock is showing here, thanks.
3:45
